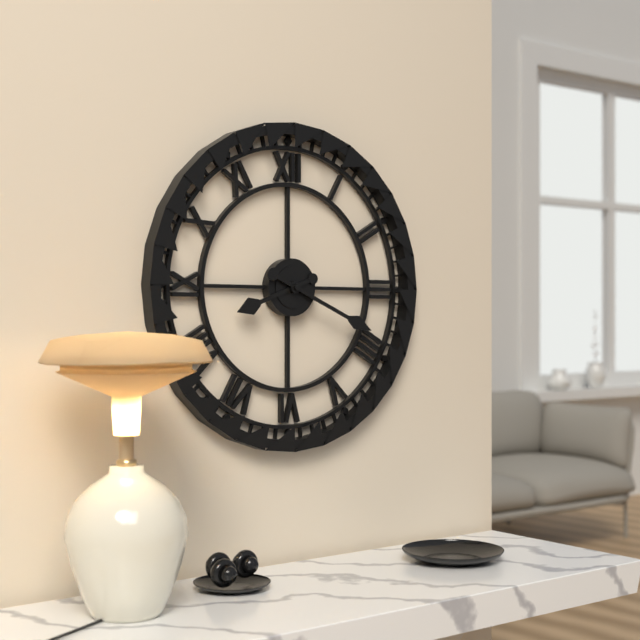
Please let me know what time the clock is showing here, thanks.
8:19
